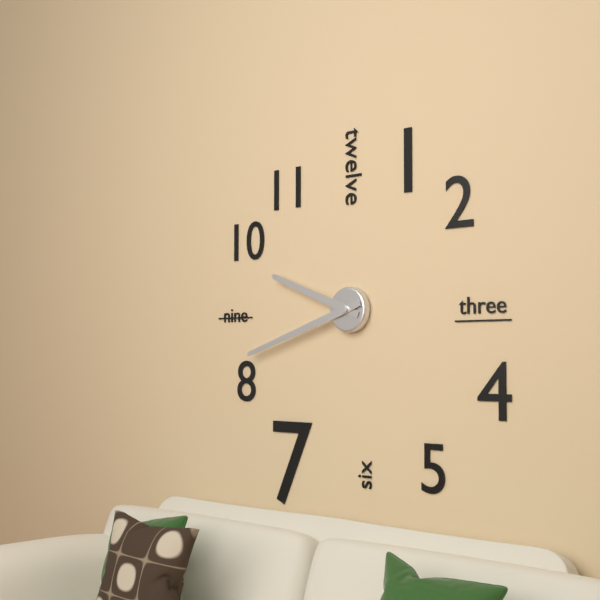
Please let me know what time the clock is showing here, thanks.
9:42
